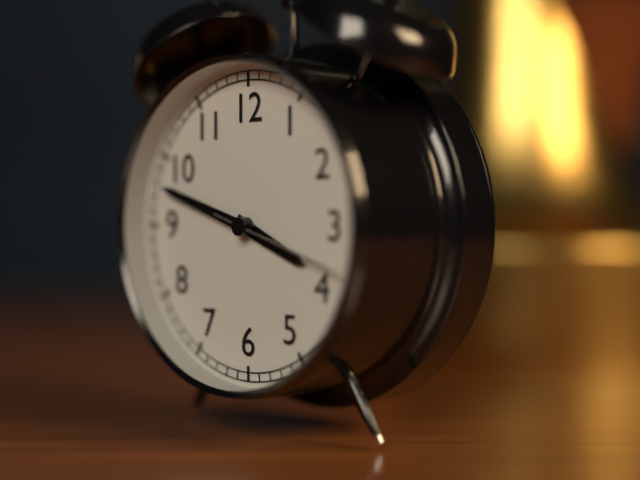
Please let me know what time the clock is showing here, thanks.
3:48:18
